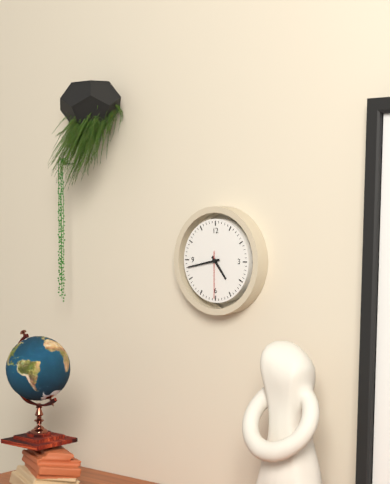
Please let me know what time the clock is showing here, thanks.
4:43
